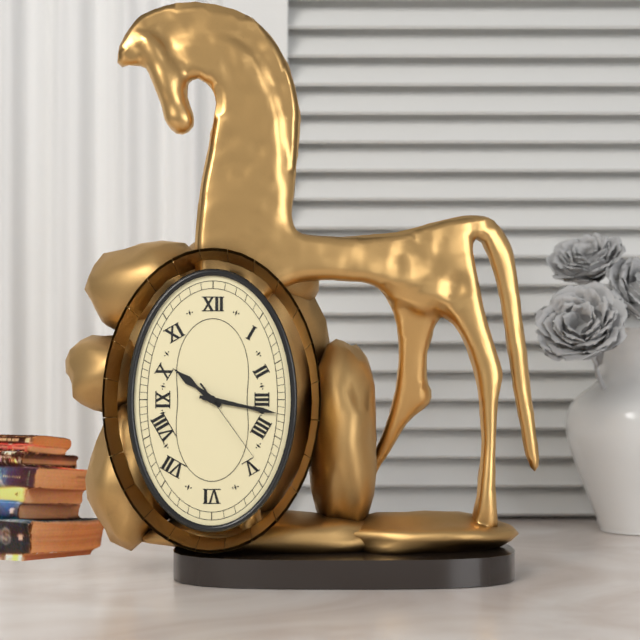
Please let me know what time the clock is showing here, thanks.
10:17:24
